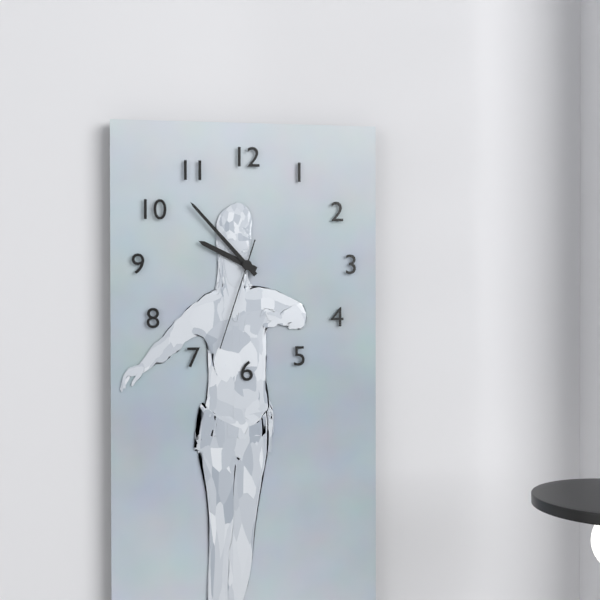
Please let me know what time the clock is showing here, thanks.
9:53:33
